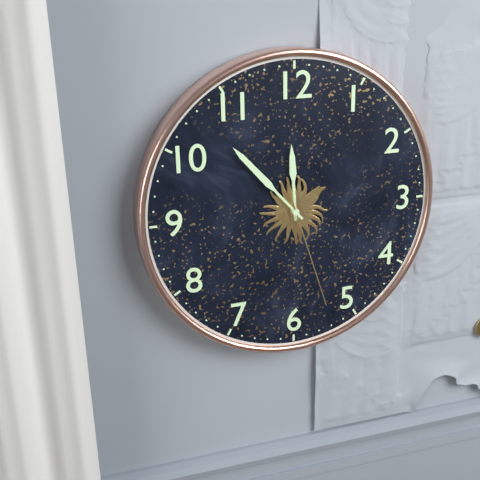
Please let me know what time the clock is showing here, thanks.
11:53:27
